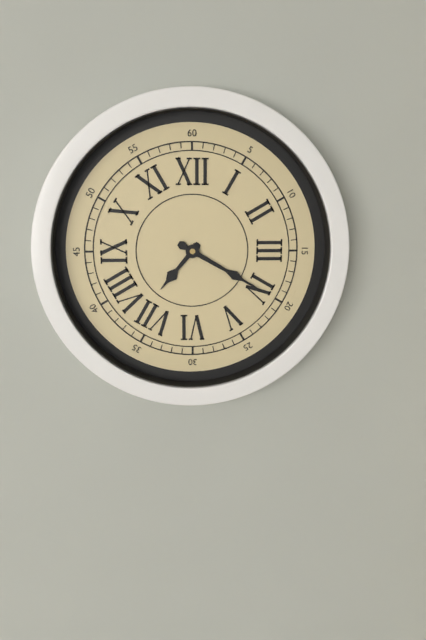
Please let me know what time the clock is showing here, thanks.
7:20
